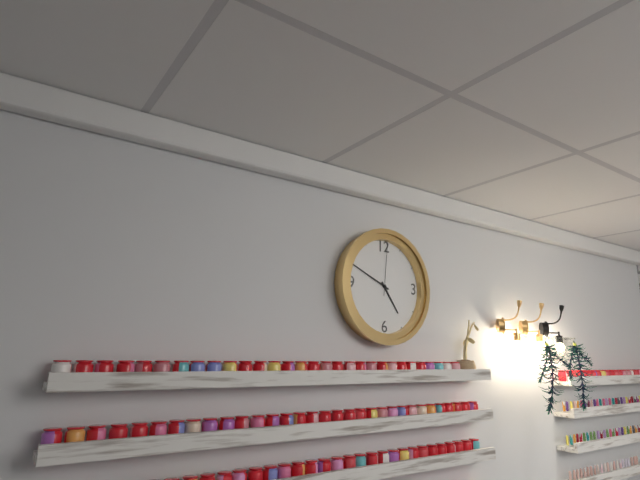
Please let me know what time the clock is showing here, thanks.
4:49:01
